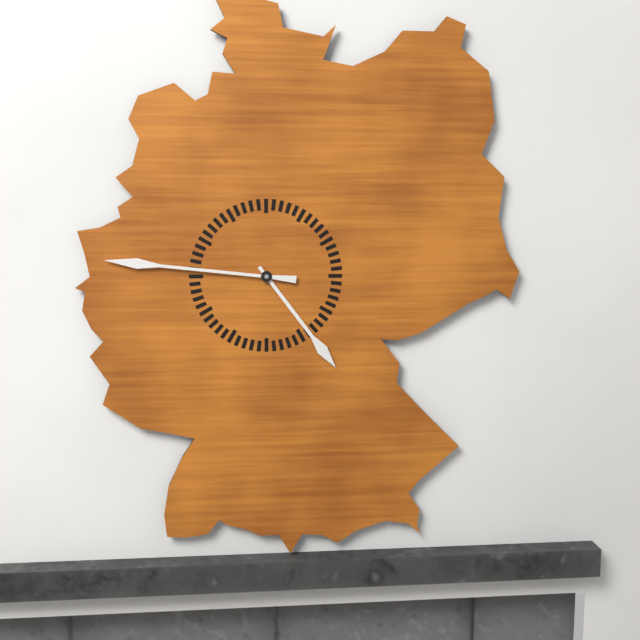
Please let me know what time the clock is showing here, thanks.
4:46
